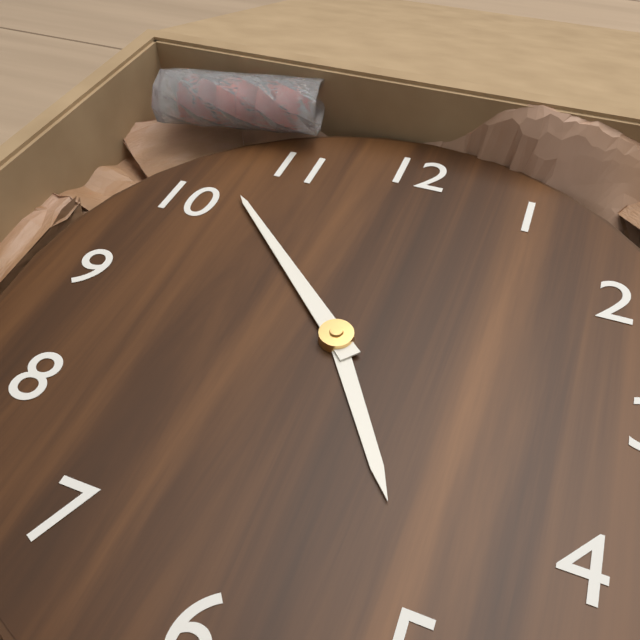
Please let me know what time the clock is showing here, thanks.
4:52
